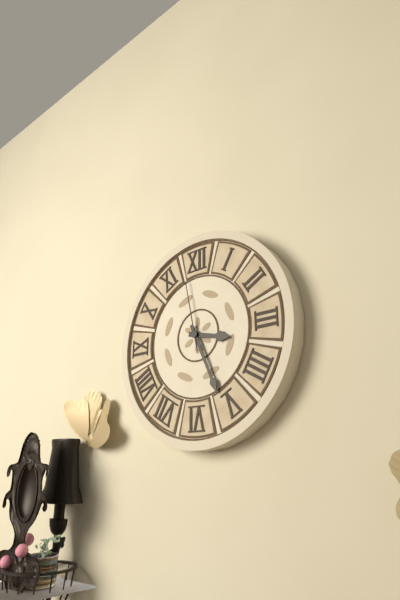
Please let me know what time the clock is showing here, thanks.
3:26:58
